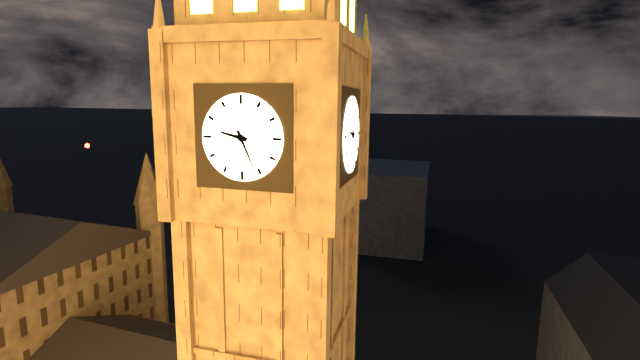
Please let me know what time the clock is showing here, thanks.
9:26
